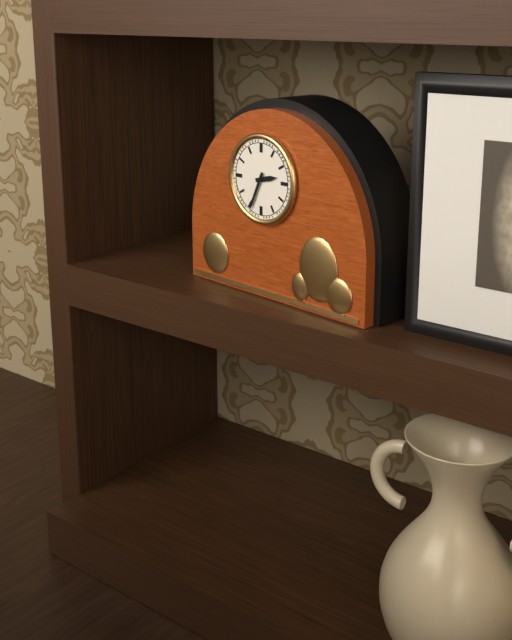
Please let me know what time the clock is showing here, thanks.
2:34
